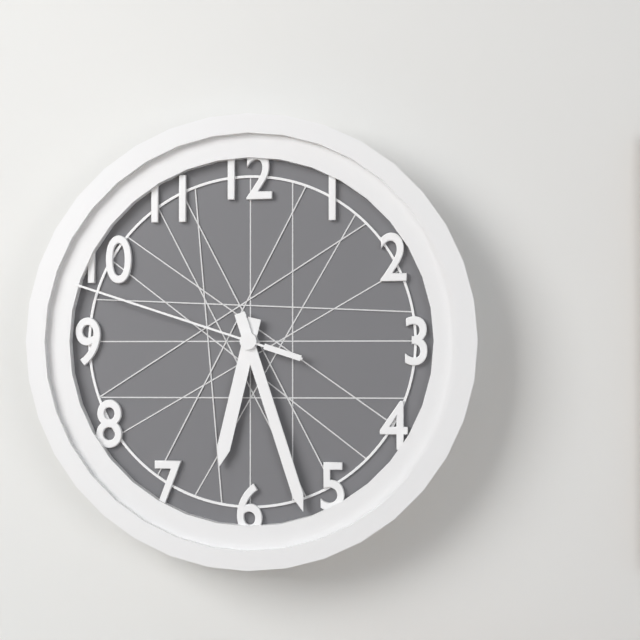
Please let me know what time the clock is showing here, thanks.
6:27:48
